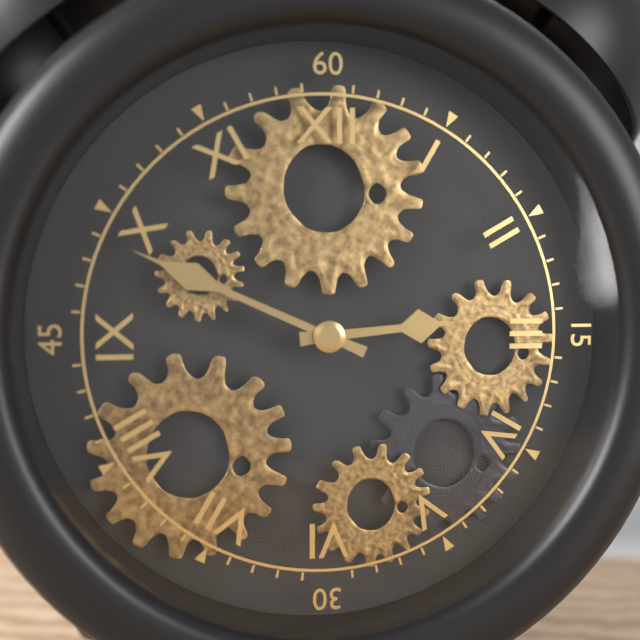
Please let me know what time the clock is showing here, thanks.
2:49
